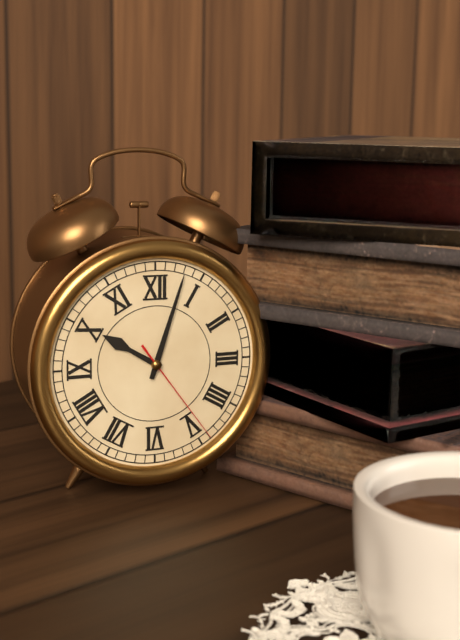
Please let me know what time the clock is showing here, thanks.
10:03:24
